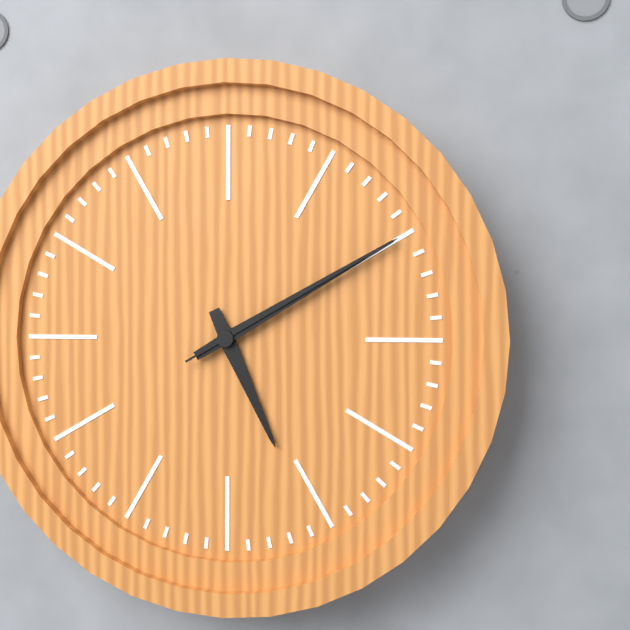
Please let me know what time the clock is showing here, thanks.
5:10:10
